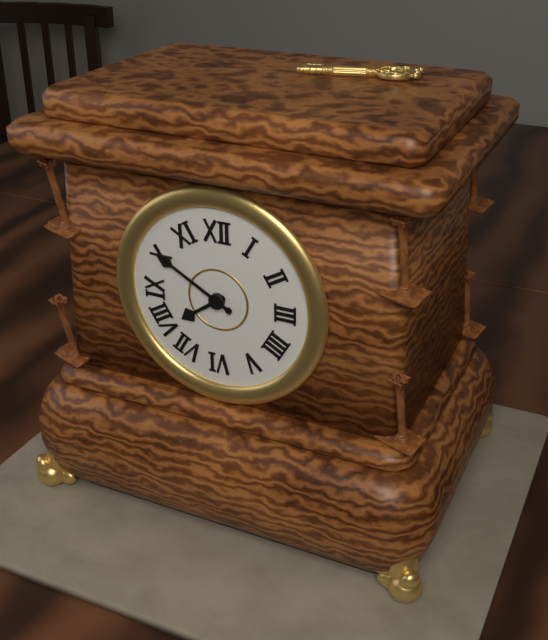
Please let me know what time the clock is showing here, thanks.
7:50
